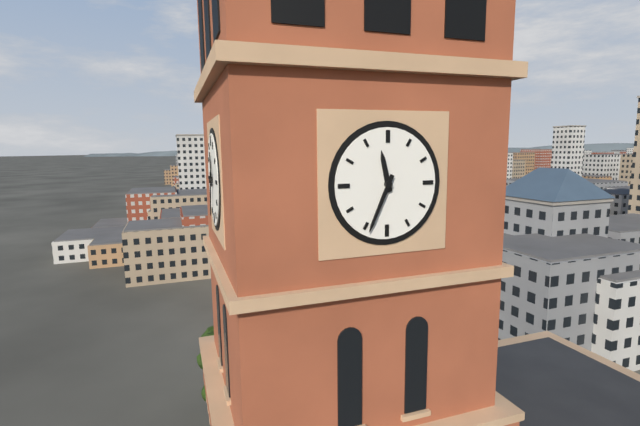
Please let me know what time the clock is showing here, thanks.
11:34
